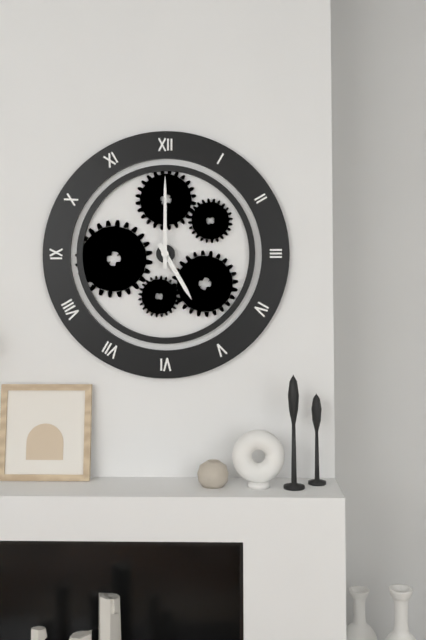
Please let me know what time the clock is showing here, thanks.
5:00
